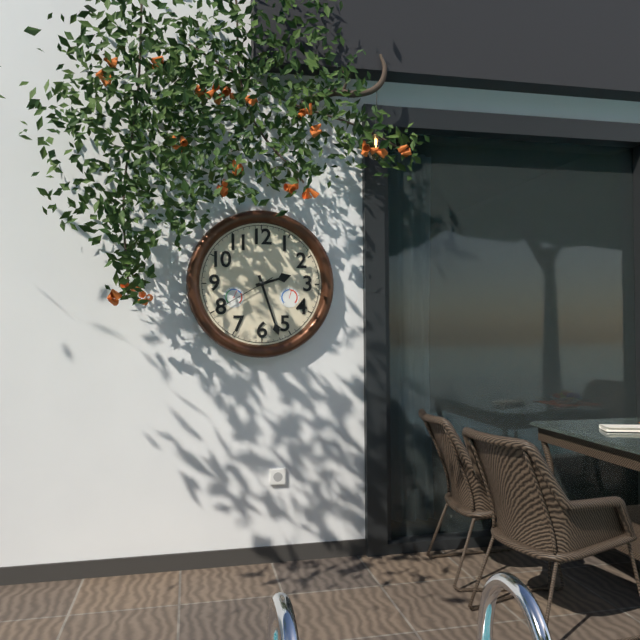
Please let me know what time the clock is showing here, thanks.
2:27:40
